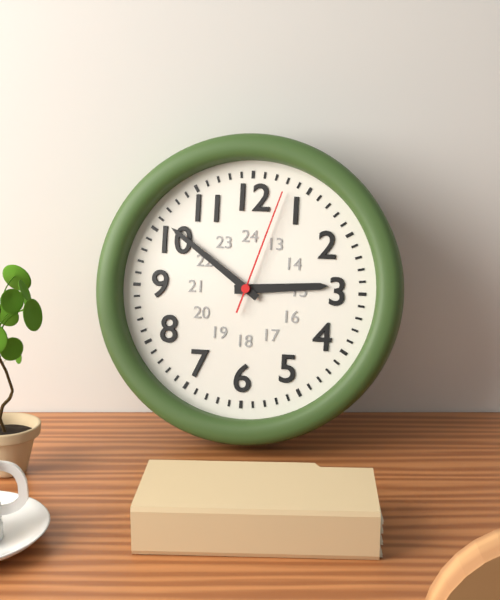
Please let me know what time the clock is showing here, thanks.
2:51:03
